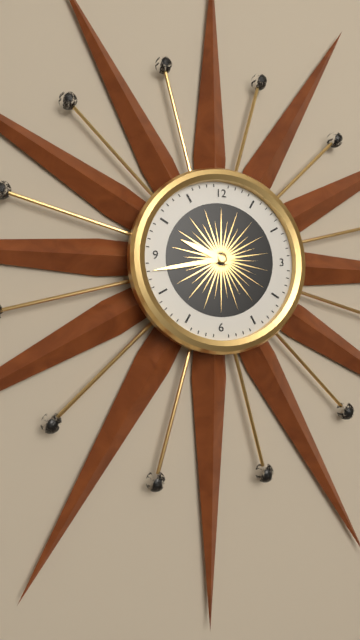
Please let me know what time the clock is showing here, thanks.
9:43
